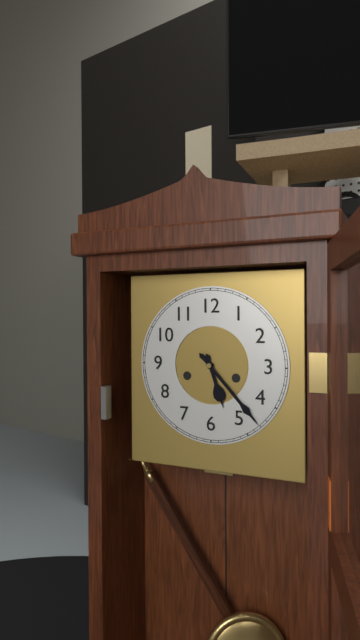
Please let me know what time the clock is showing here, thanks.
5:23
